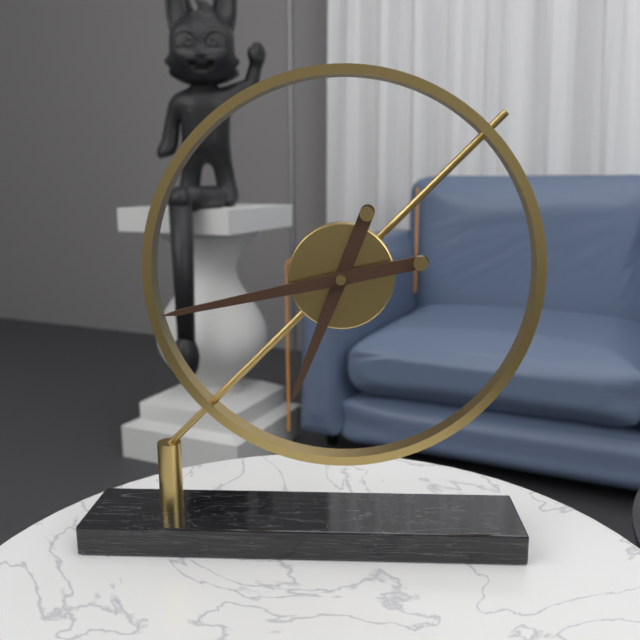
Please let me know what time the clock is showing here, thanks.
6:43
